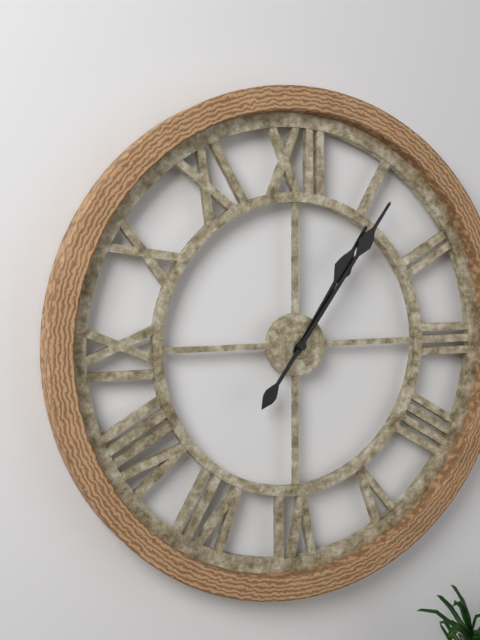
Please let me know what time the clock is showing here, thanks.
1:06
